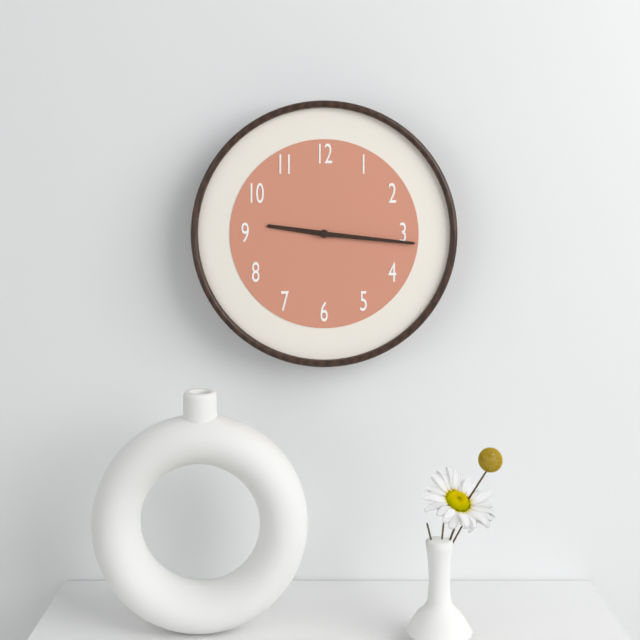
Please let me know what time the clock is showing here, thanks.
9:16
